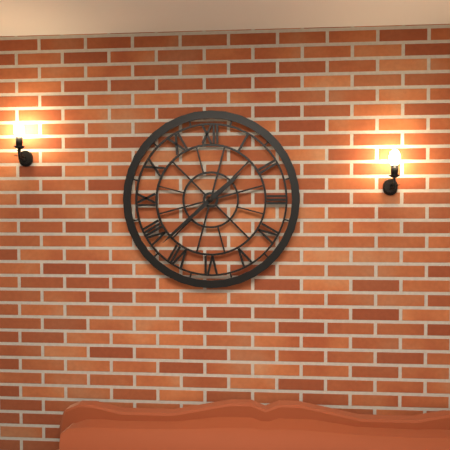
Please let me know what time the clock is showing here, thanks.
1:38
